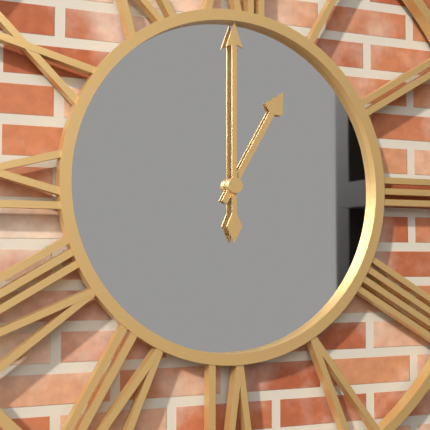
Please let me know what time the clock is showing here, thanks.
1:00
